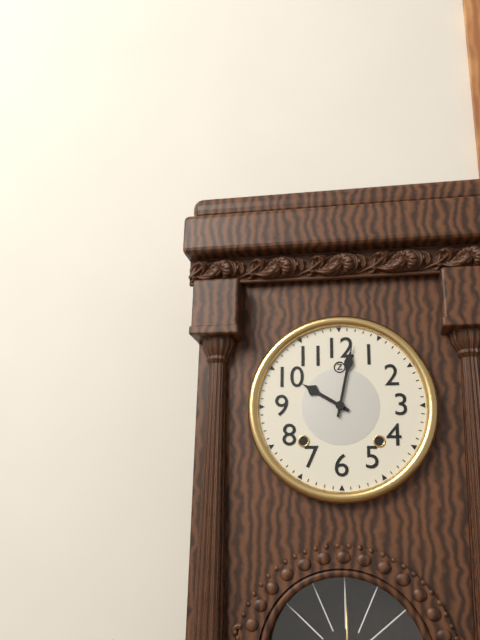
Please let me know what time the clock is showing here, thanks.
10:02
